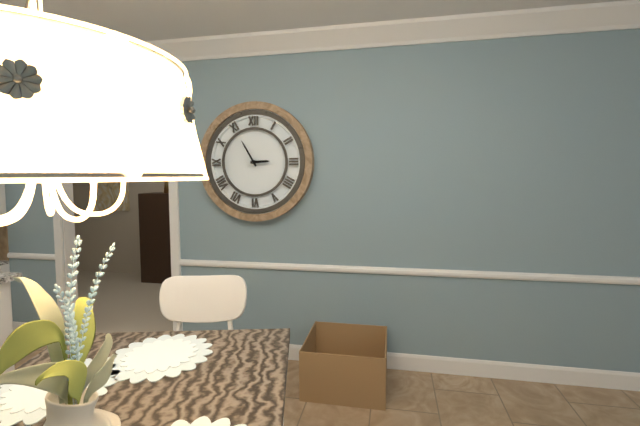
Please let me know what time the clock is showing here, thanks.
2:55
